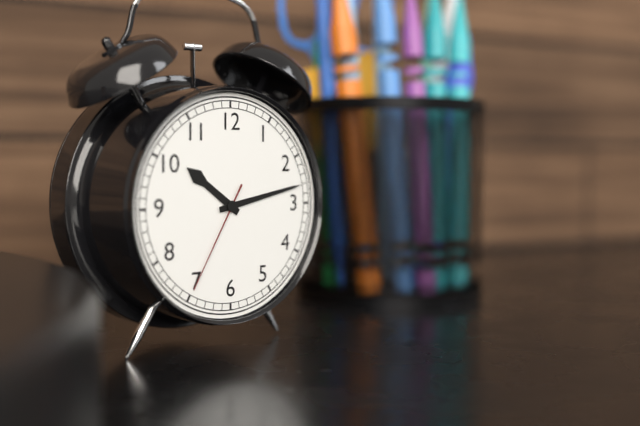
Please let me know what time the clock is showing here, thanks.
10:13:35
